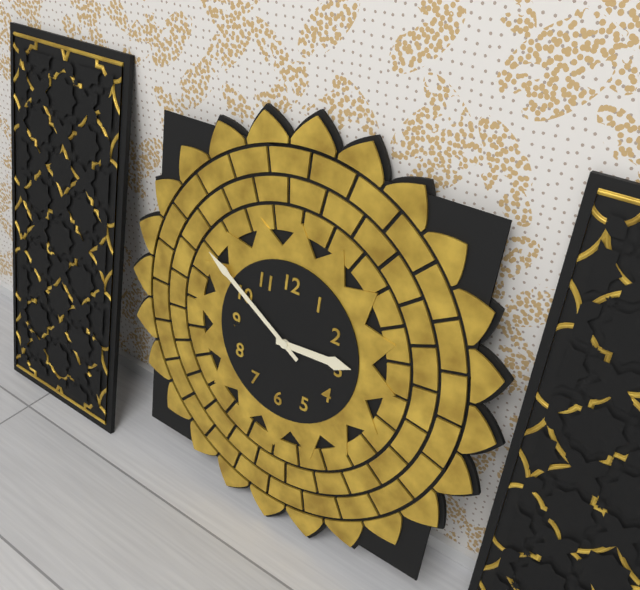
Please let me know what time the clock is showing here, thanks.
2:50
